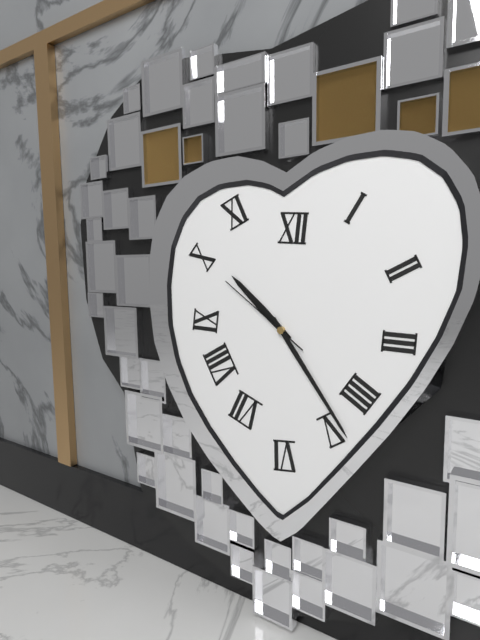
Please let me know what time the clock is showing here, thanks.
10:24:51
